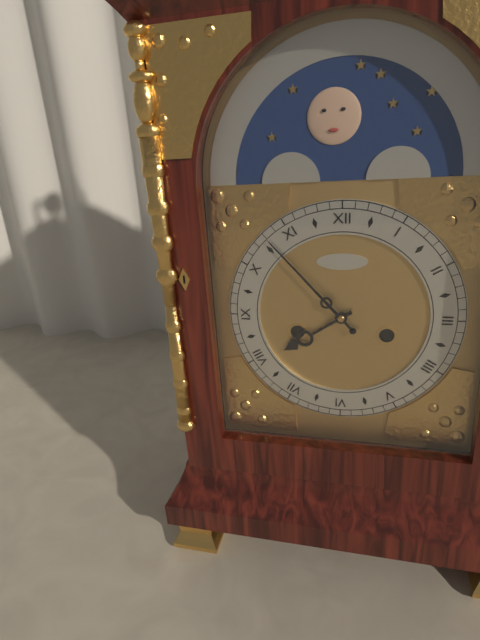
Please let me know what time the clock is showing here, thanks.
7:53
